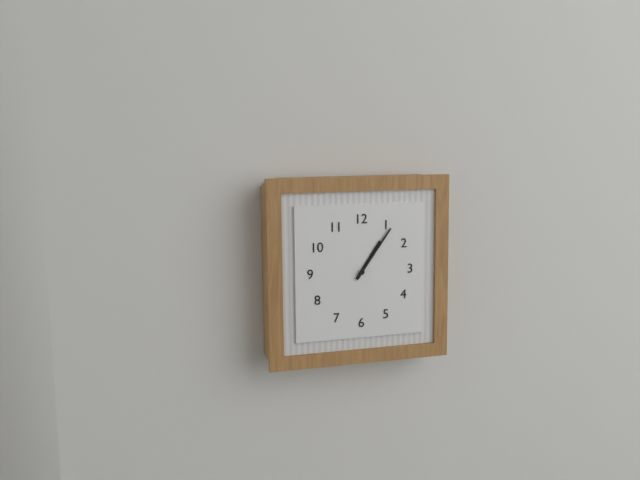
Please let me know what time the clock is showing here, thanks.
1:06
